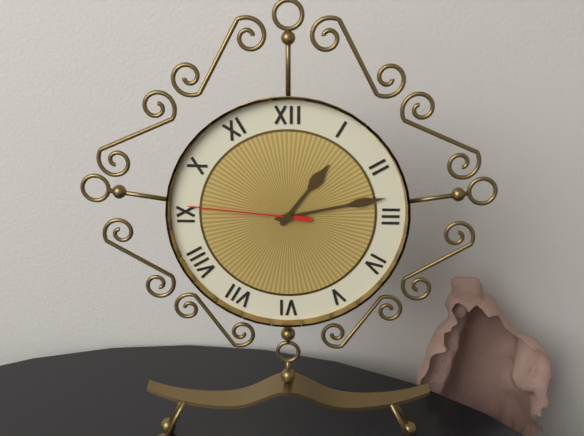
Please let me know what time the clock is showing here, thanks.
1:13:46
